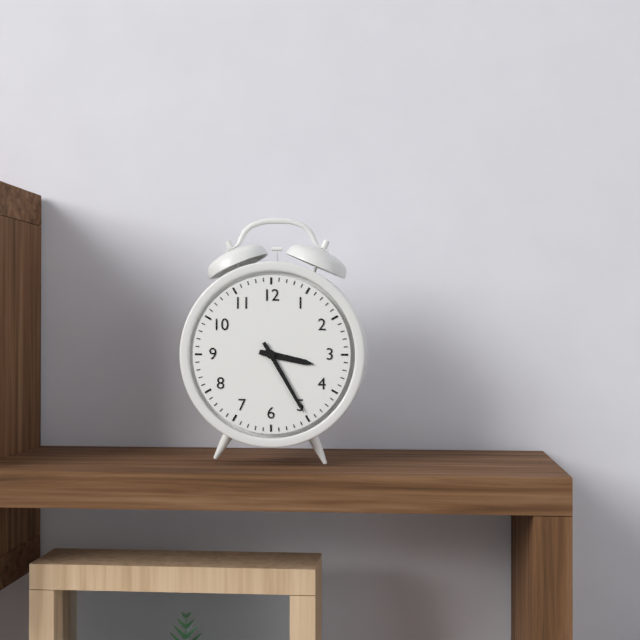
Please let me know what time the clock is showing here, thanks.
3:25
